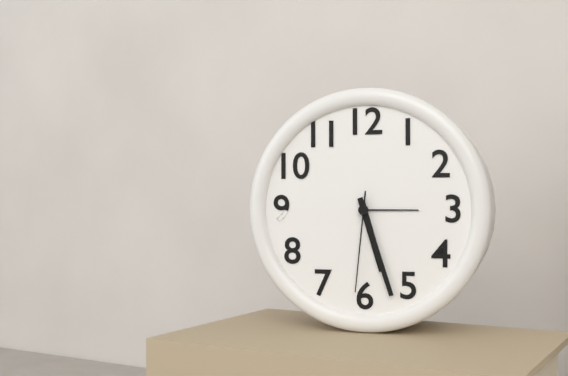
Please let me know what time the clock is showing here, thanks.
5:27:31
